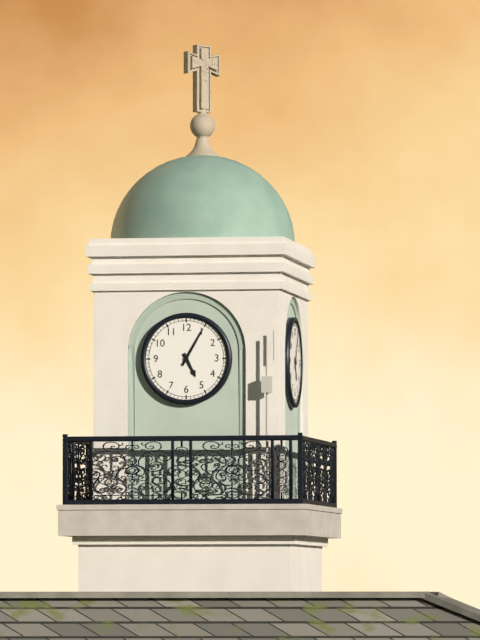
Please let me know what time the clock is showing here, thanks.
5:05
